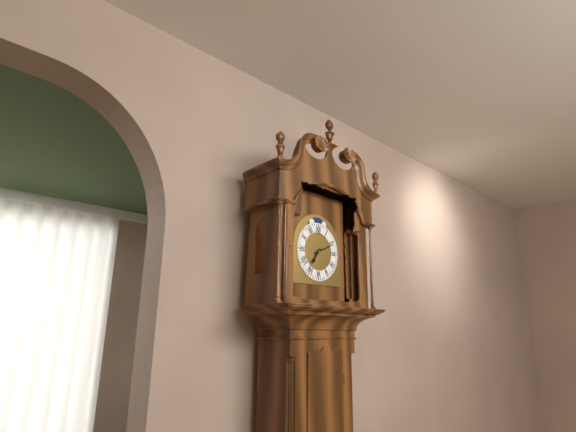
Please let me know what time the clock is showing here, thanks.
7:11
